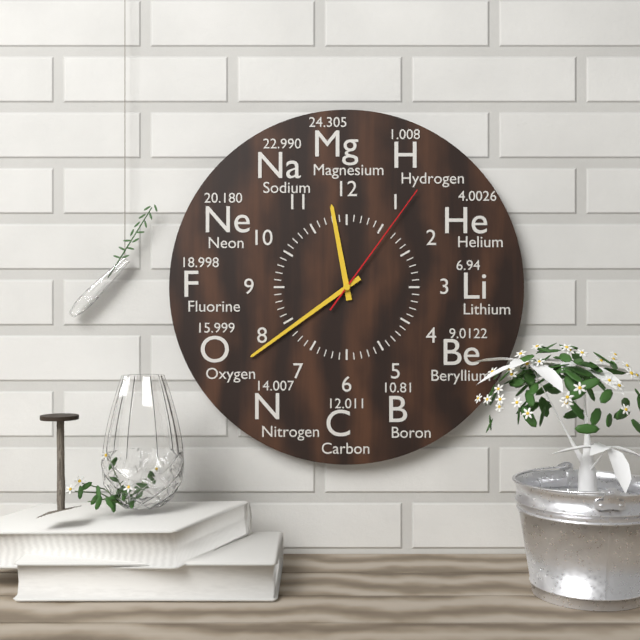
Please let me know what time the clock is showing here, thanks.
11:39:06
